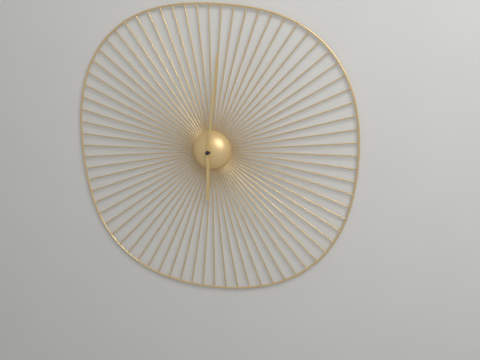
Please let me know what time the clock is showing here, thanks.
6:01
